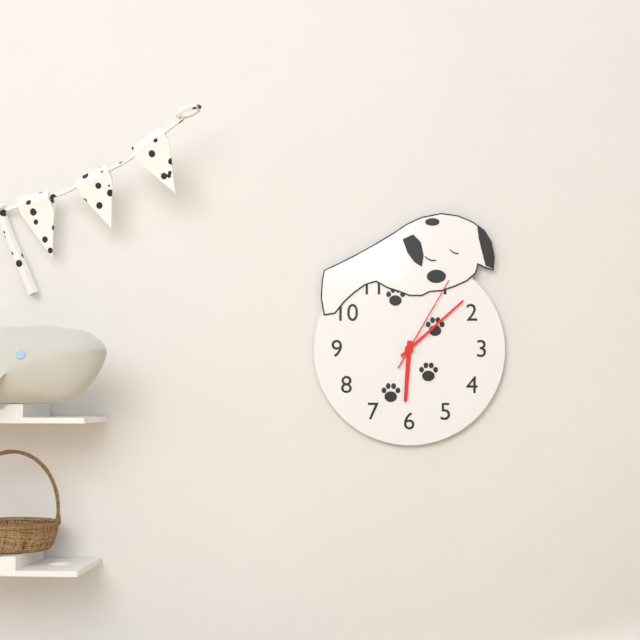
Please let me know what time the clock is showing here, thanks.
6:08:05
